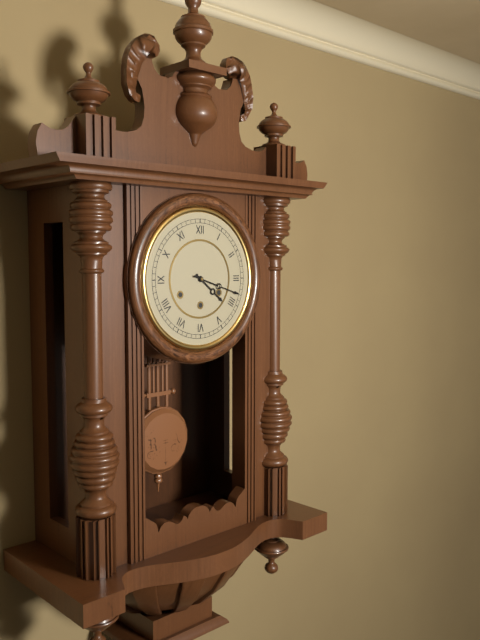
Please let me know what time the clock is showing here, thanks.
4:18
